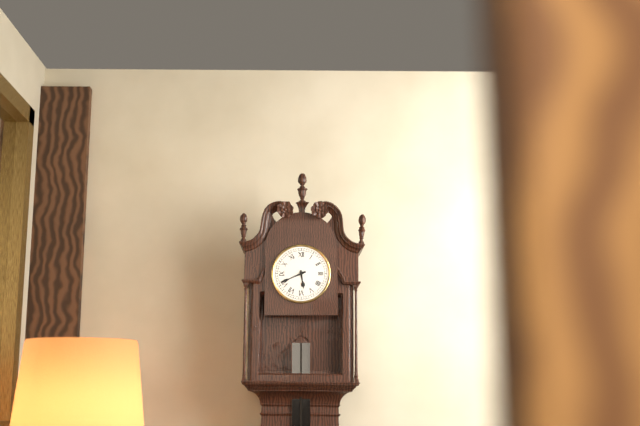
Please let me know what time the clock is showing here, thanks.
5:41
